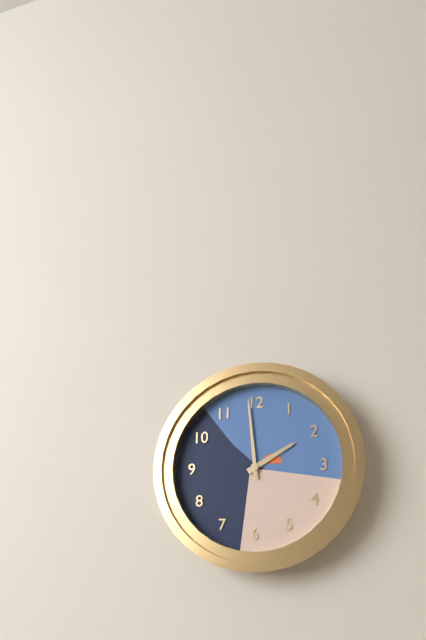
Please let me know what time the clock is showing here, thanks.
1:59
